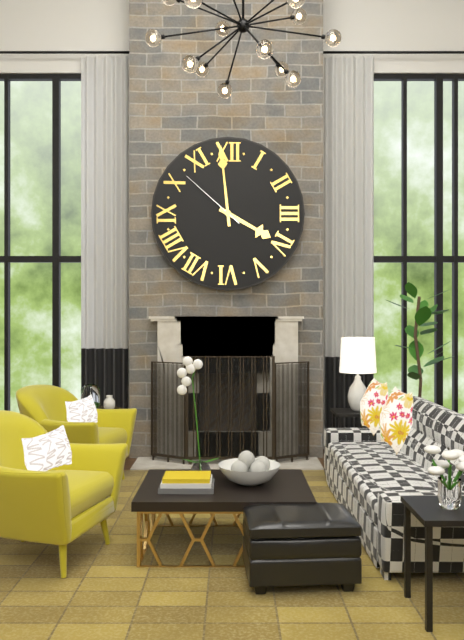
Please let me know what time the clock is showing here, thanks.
3:59:52
